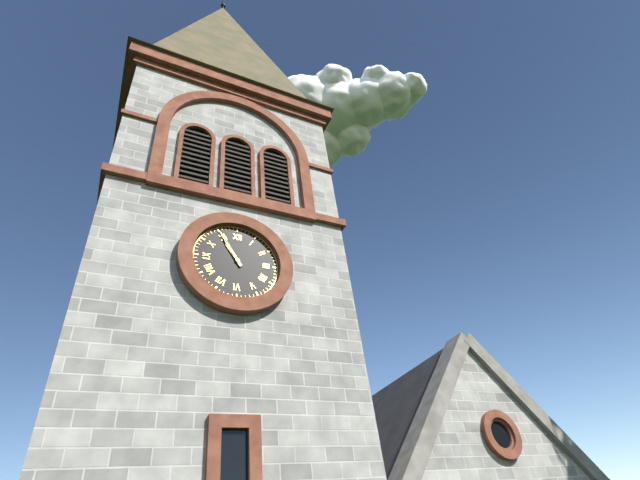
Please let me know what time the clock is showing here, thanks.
10:55
